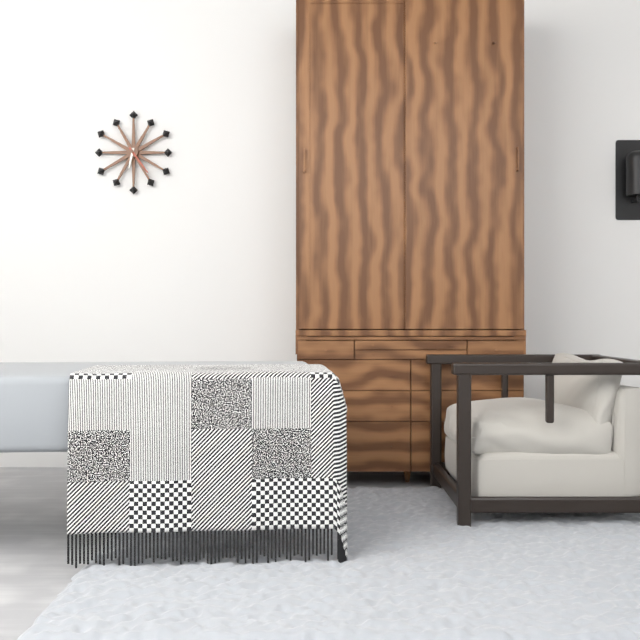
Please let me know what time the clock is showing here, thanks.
6:24
